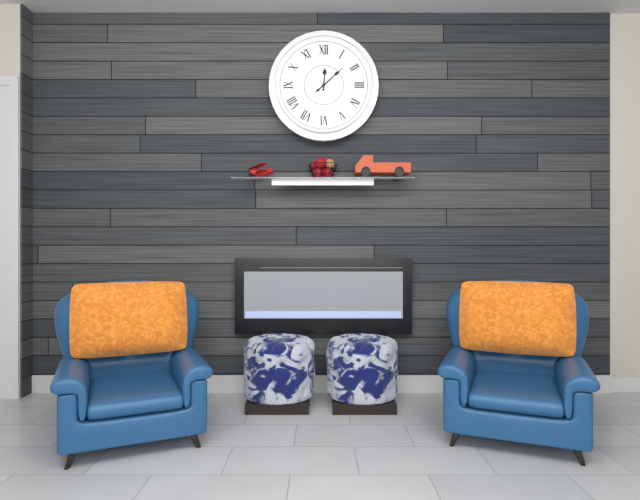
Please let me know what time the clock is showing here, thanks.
12:08
